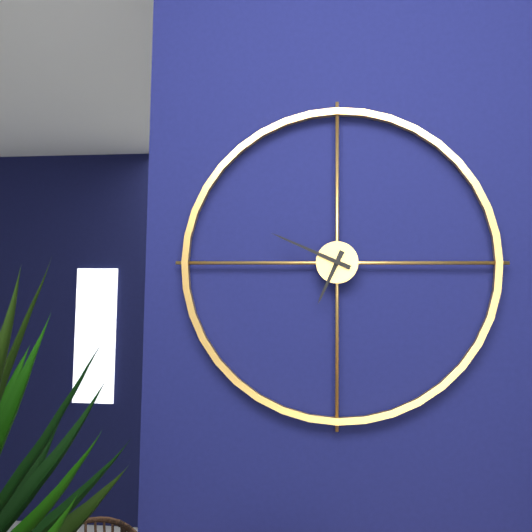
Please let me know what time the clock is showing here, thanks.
6:49
